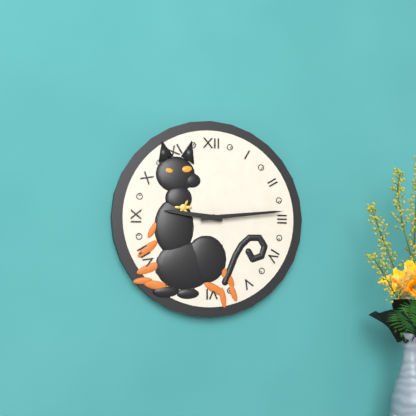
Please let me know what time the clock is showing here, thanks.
9:14
